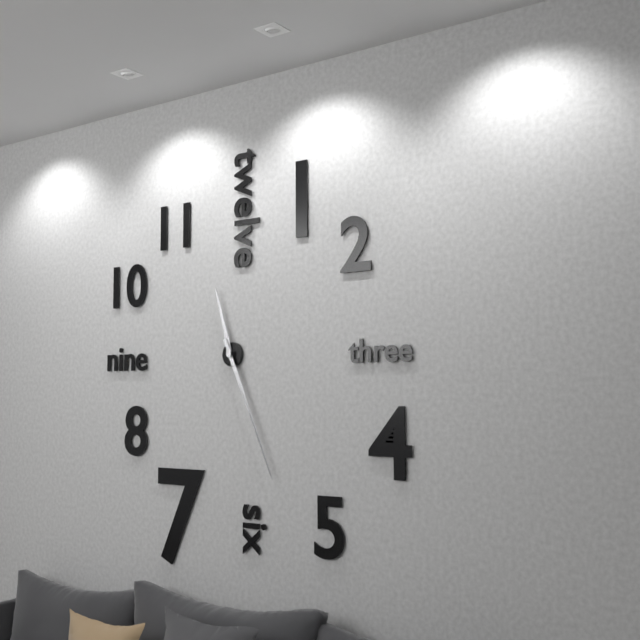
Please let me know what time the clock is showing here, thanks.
11:26
